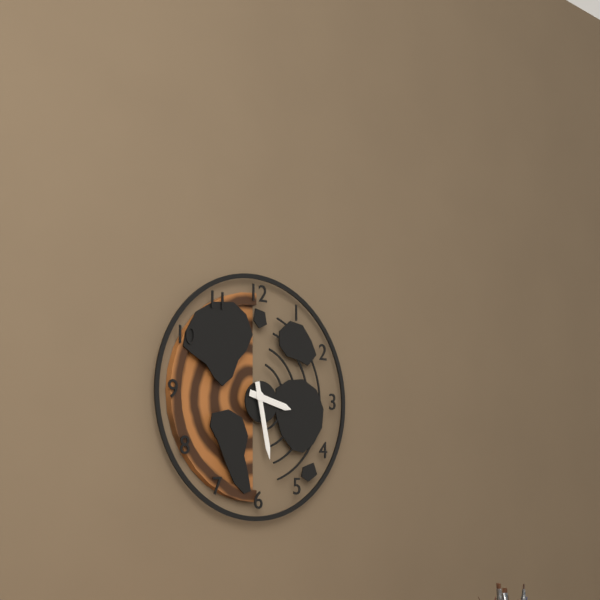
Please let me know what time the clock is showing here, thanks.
3:28
